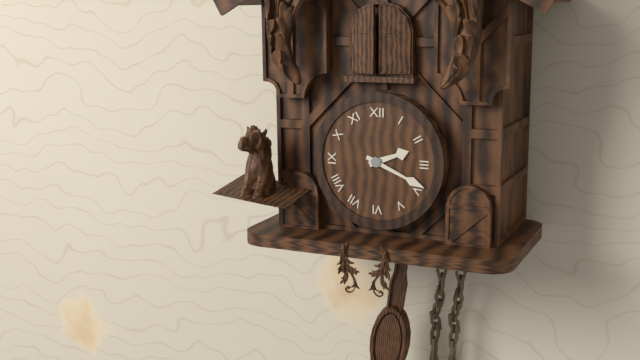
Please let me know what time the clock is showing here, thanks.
2:19
